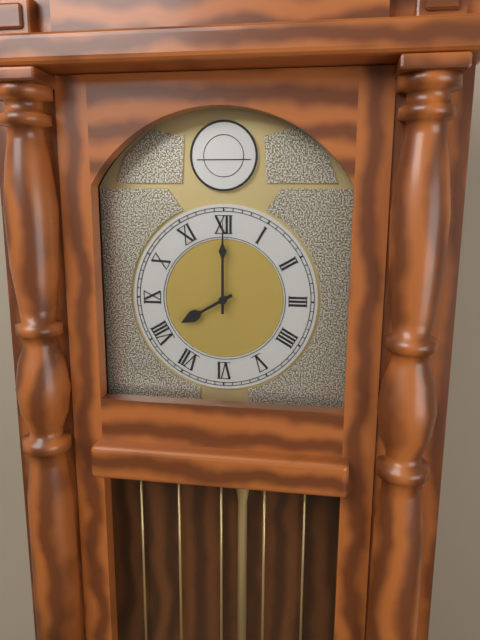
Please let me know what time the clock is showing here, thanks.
8:00
